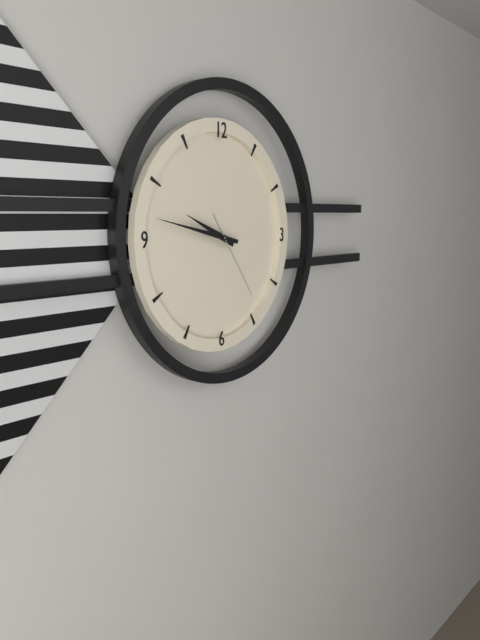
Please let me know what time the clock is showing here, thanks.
9:47:24
